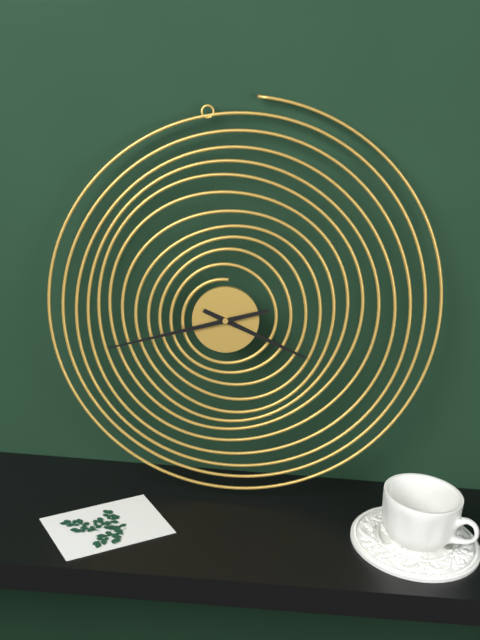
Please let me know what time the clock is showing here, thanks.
3:42
